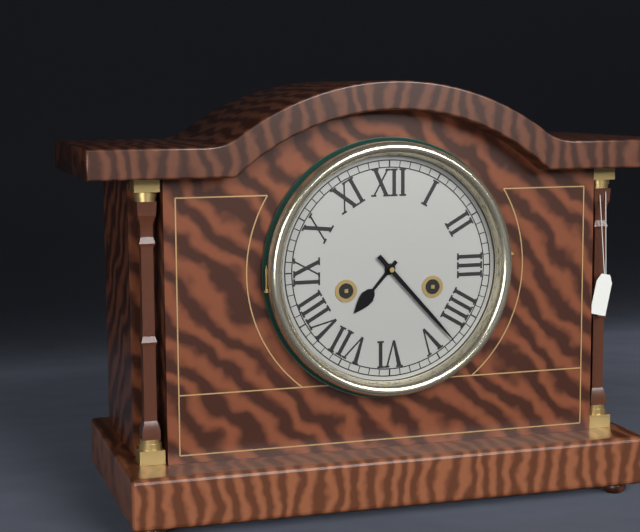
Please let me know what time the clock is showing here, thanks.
7:23
